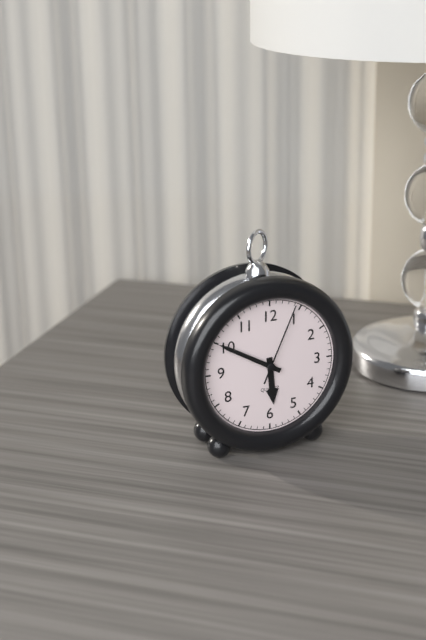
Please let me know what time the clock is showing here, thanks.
5:50:04
